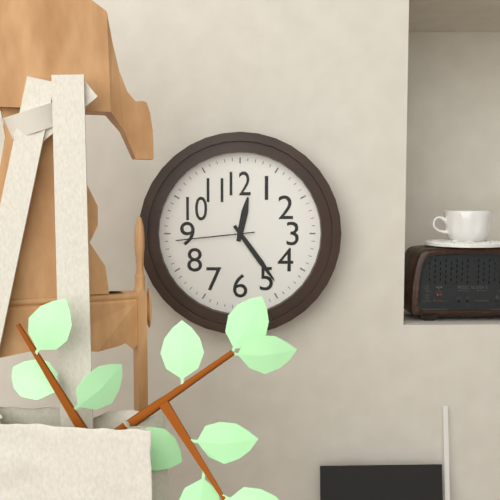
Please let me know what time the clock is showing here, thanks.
12:24:44
